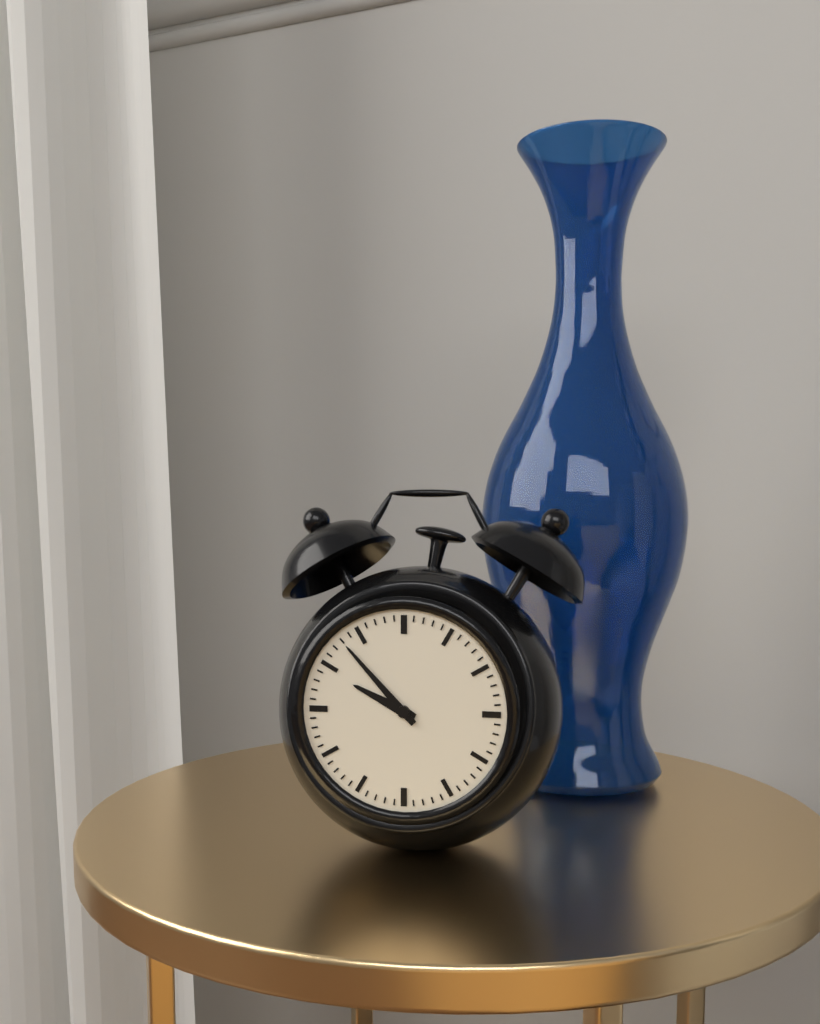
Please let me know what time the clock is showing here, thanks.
9:53
